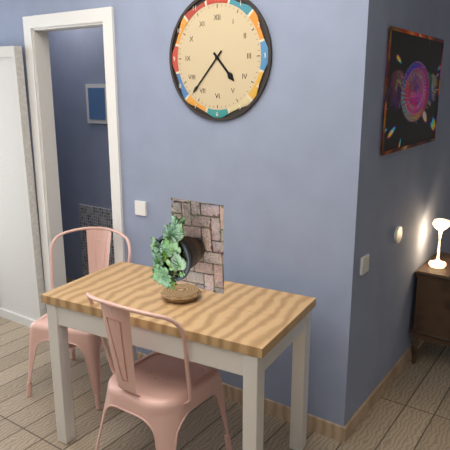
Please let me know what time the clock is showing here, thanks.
4:37
